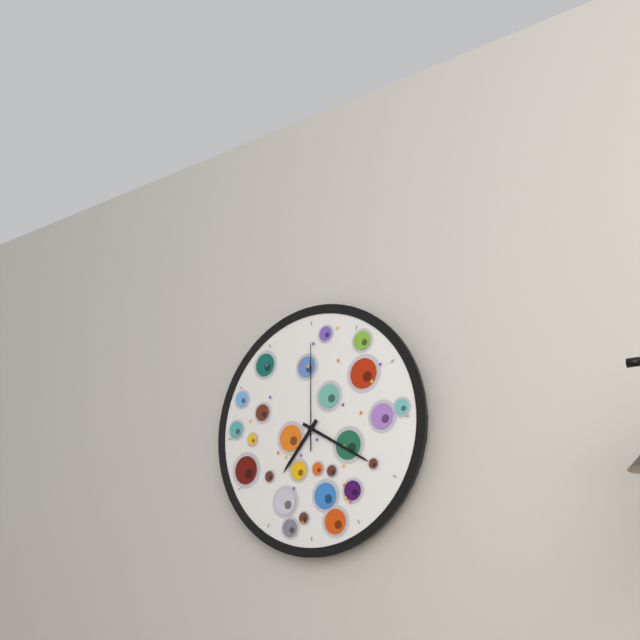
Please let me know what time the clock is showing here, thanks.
7:20:00
